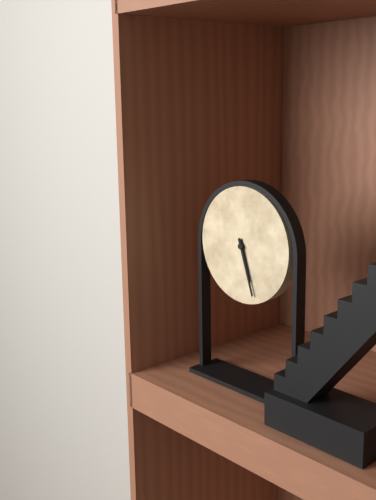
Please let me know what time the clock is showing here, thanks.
5:27
